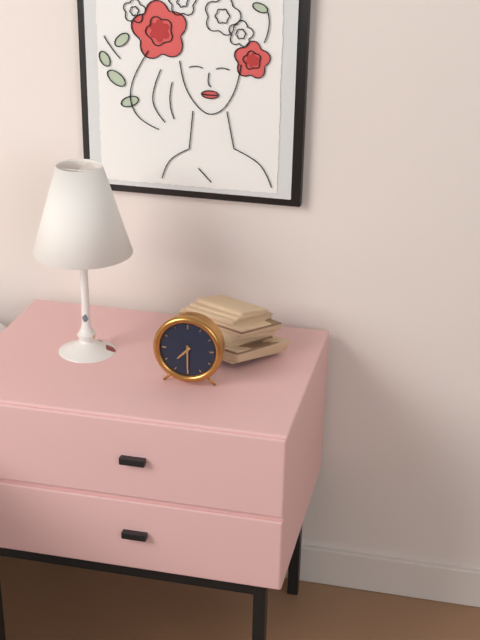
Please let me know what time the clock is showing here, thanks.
7:30
